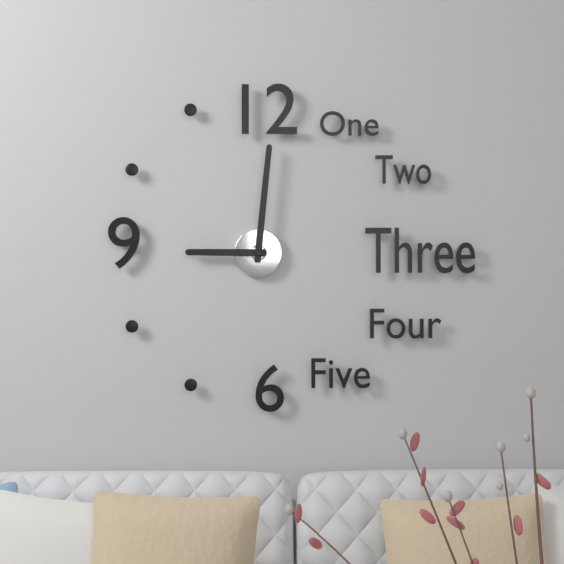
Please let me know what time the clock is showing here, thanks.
9:01
